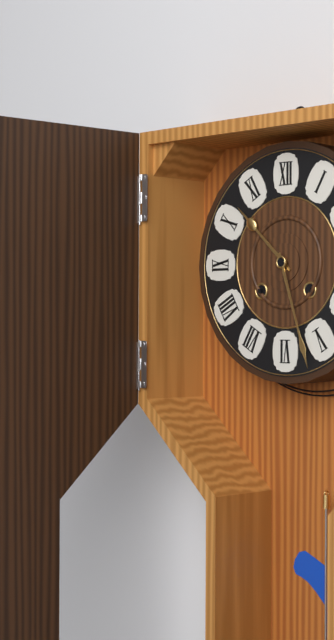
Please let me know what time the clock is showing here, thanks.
10:27
